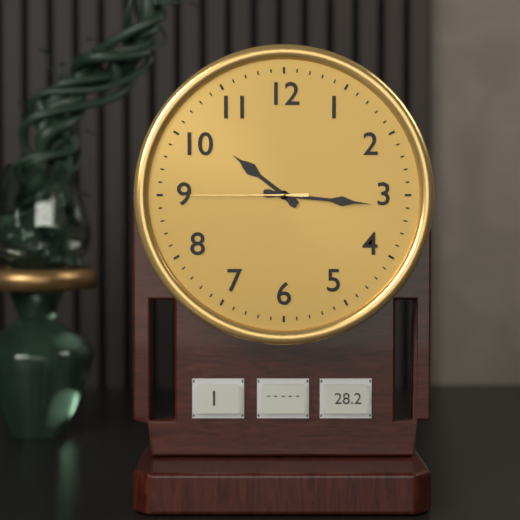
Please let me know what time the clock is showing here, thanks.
10:16:45
